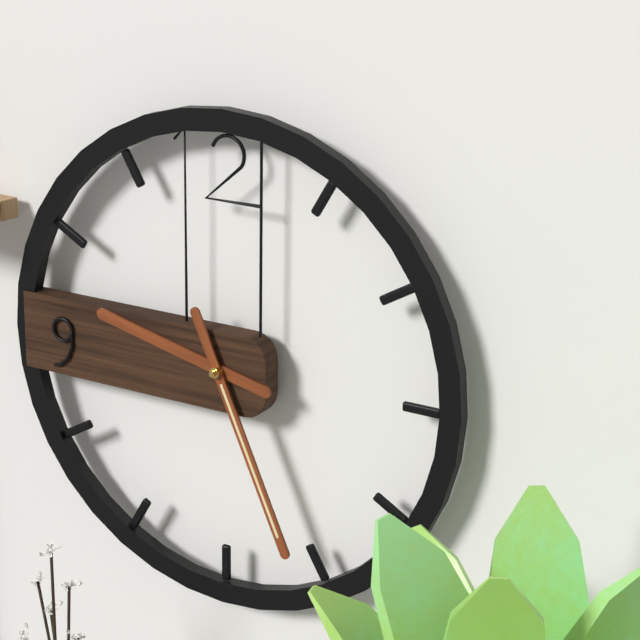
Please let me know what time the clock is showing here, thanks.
9:26
